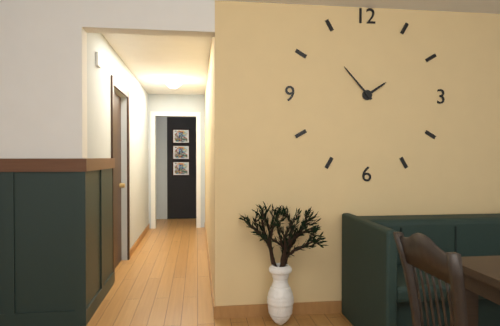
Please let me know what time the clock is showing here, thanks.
1:53
